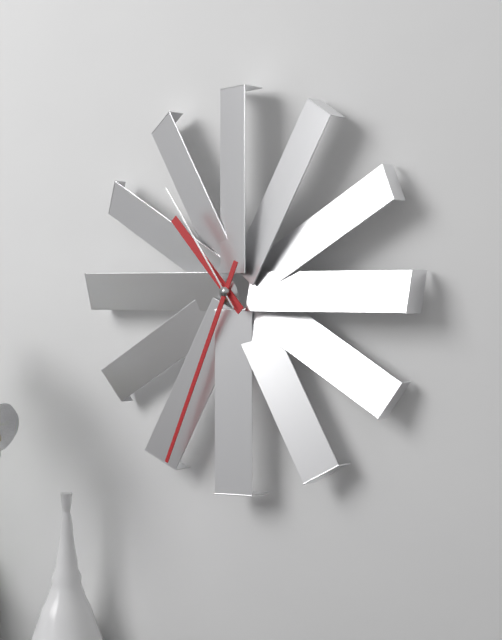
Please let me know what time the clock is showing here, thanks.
10:34:54
